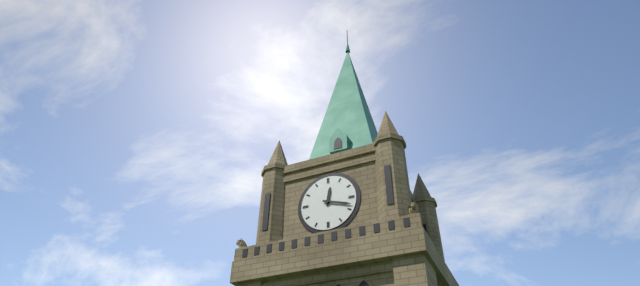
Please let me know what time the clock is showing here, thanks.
12:18
